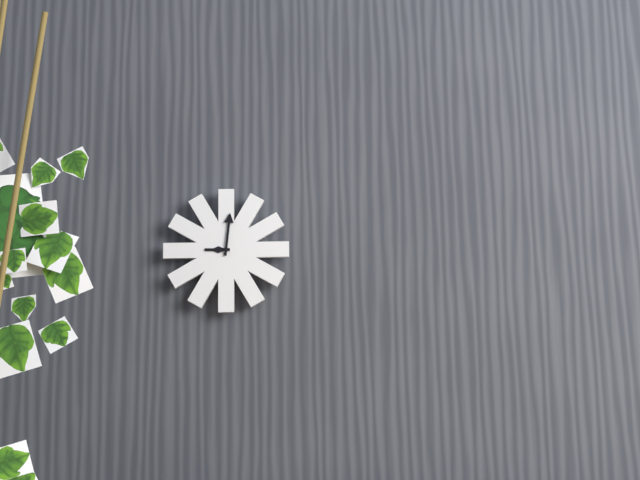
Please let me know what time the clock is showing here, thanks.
9:01
